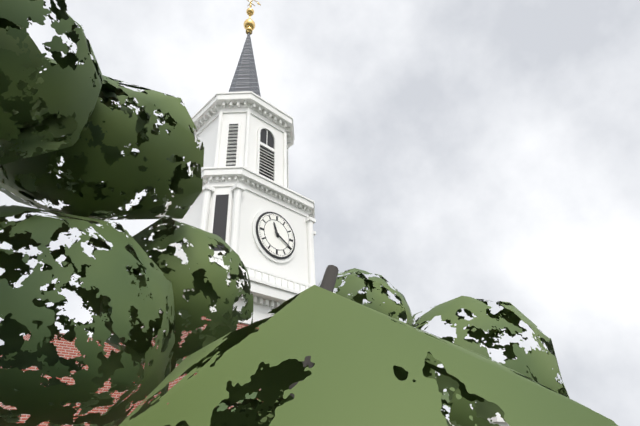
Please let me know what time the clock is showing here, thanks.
11:20
